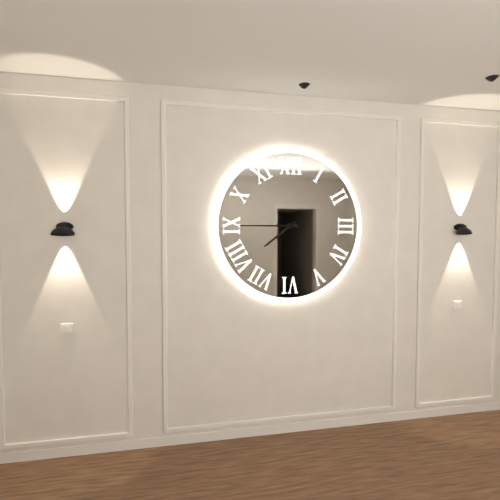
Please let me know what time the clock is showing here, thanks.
7:45
